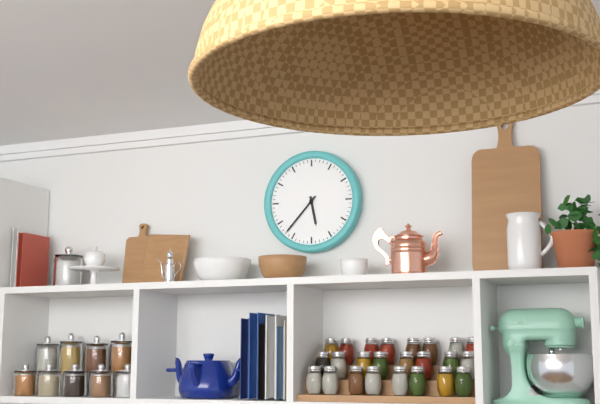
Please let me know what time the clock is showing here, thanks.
5:37
